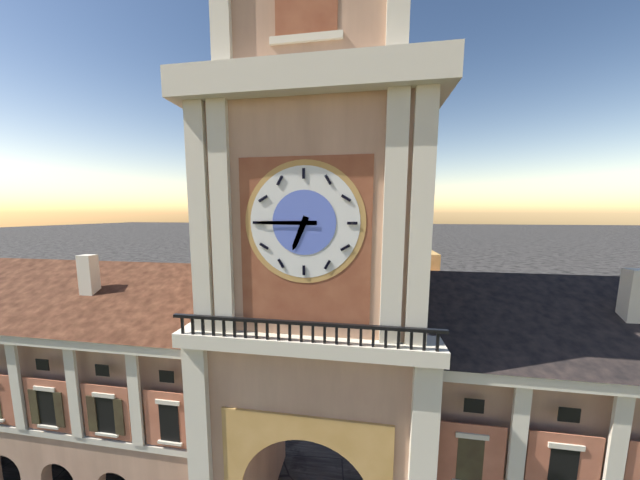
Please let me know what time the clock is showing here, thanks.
6:45
